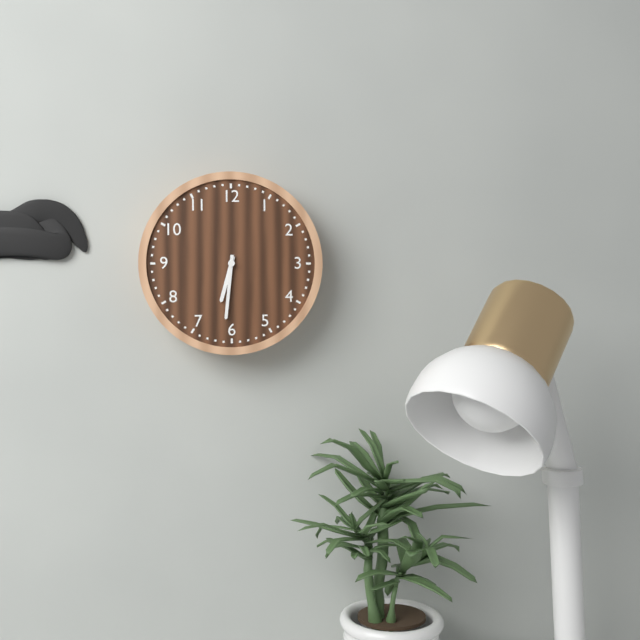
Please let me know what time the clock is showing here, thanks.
6:31
